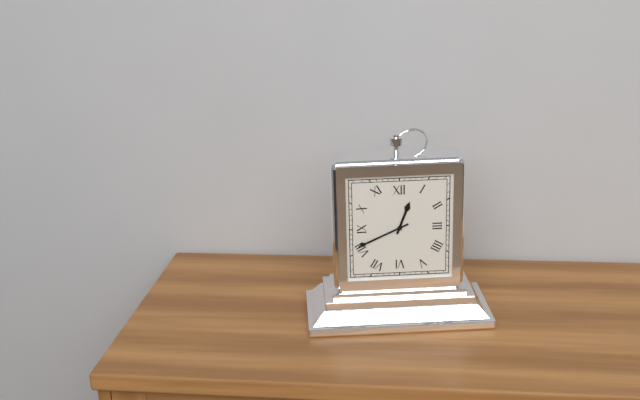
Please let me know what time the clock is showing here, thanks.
12:41
